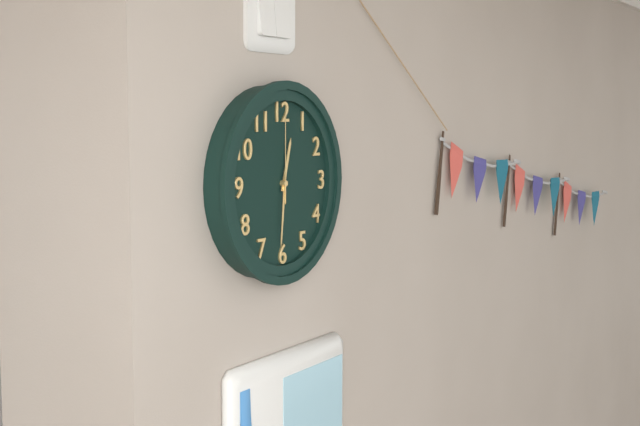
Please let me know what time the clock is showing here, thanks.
12:31:00
